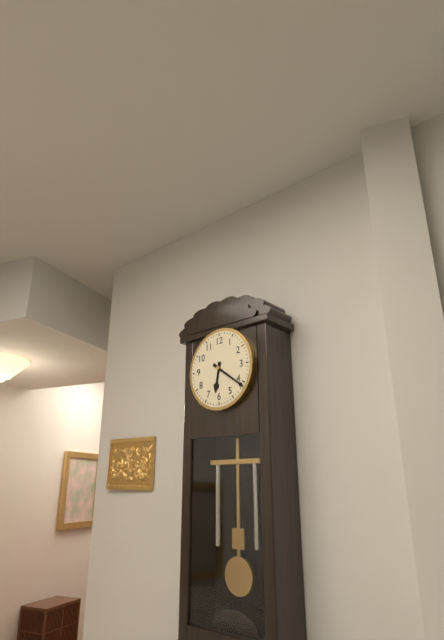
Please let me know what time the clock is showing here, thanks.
6:21
